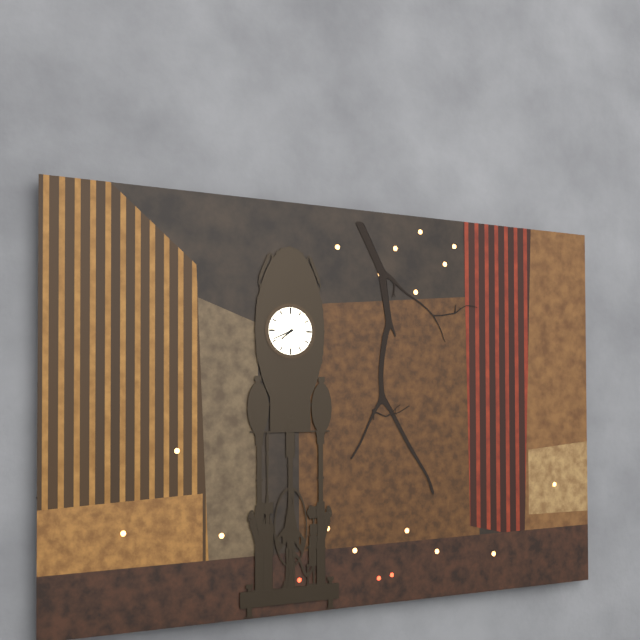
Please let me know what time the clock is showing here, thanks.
7:41
